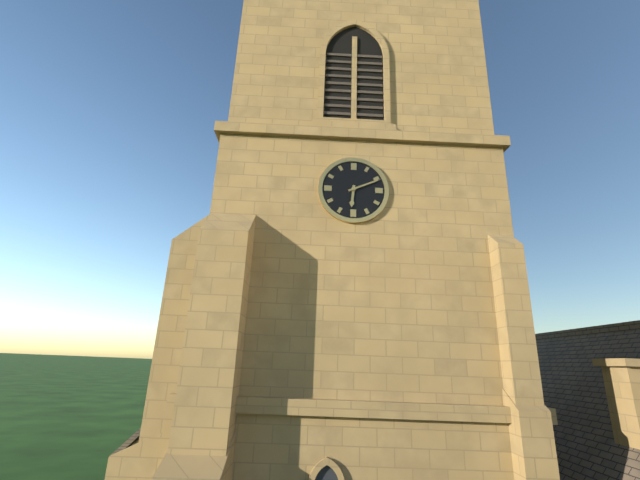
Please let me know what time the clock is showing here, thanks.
6:11
